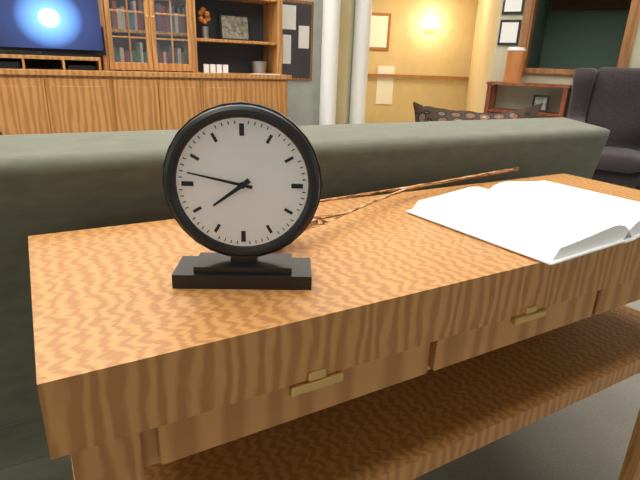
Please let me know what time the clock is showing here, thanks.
7:47
